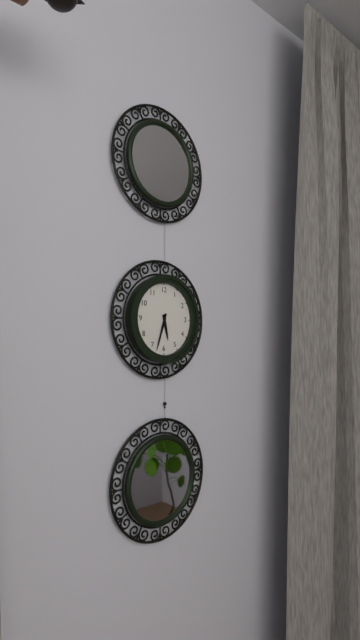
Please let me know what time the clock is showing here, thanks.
5:33
